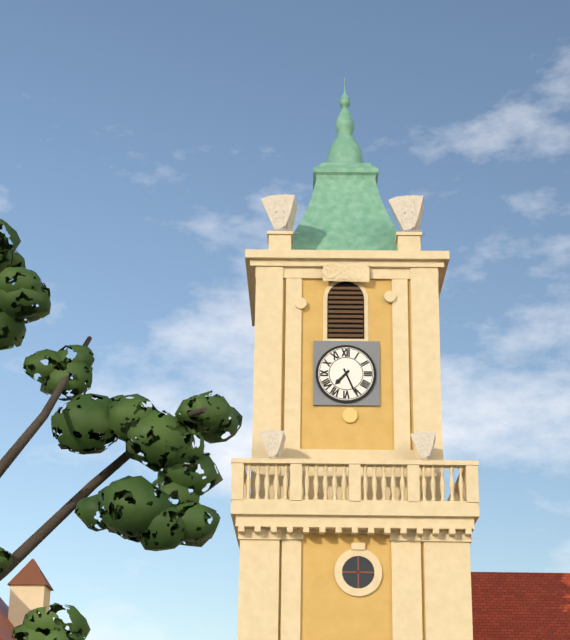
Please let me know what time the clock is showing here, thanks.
7:26
